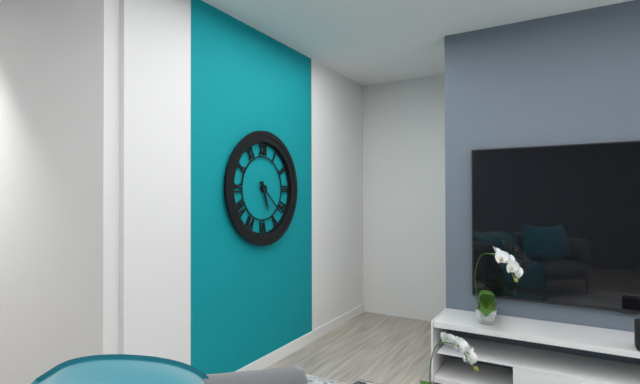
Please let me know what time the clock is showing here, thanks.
5:22
